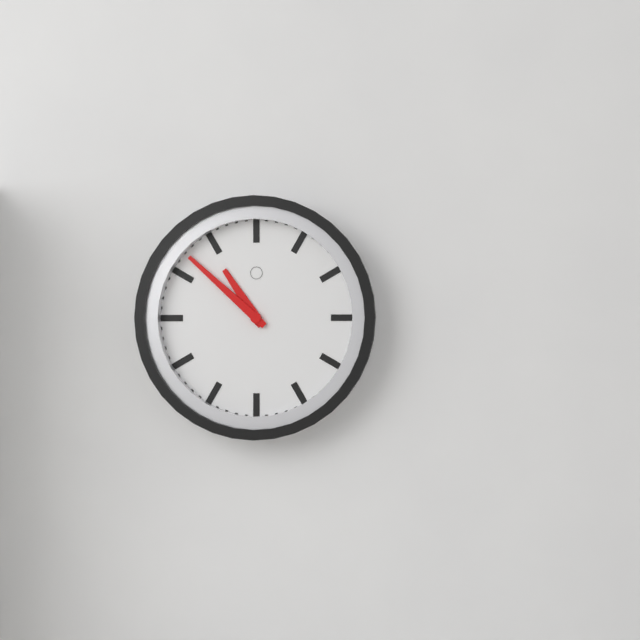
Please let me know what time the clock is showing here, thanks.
10:52
